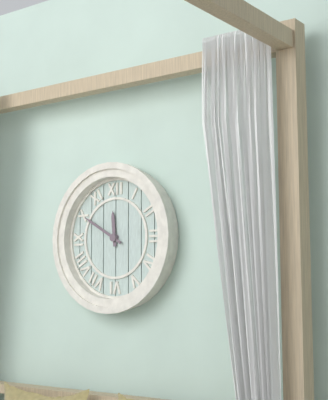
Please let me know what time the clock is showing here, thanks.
11:50
